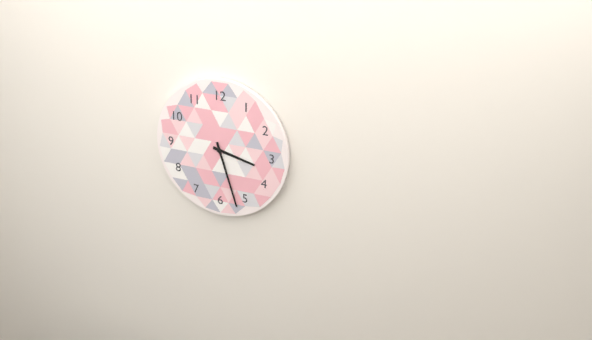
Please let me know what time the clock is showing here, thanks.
3:27
